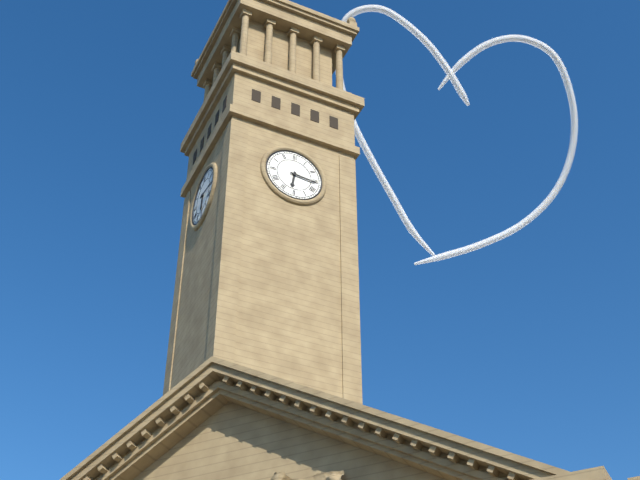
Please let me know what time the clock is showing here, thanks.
6:16
